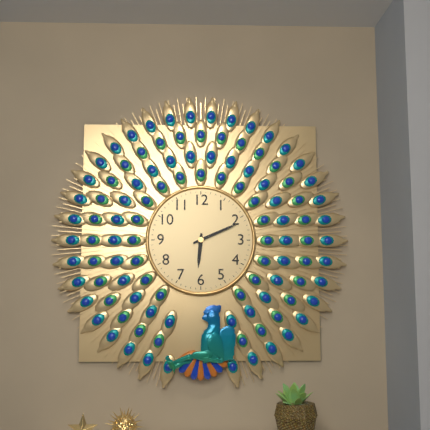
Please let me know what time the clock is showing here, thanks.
6:11
